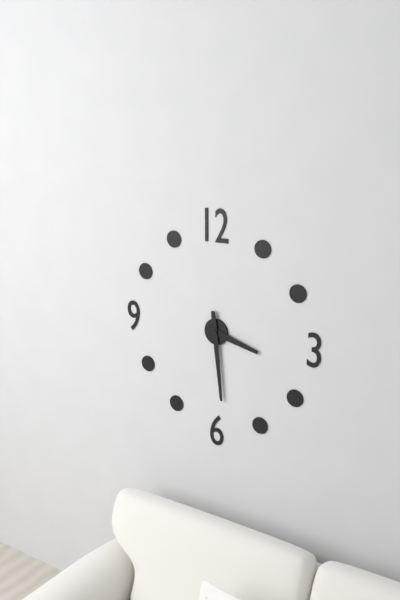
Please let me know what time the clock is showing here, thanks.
3:29
